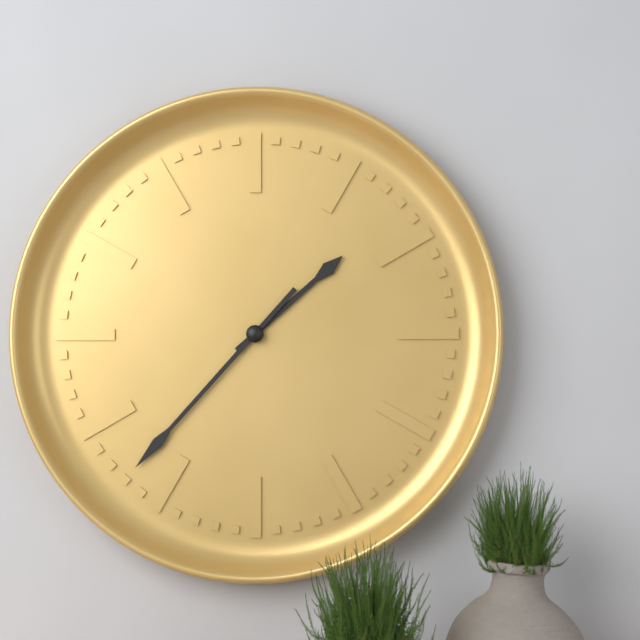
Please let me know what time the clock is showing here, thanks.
1:37
